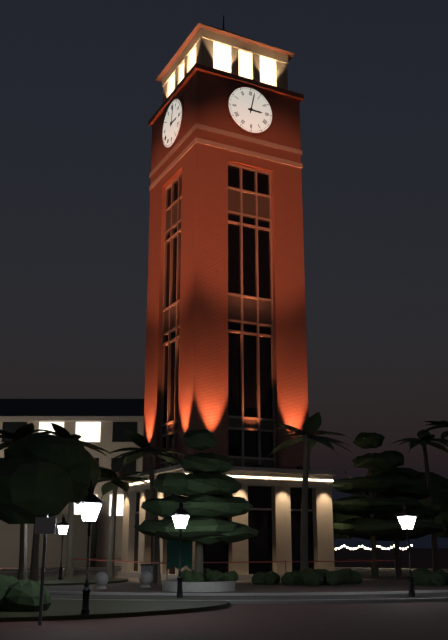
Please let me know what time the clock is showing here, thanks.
3:02
